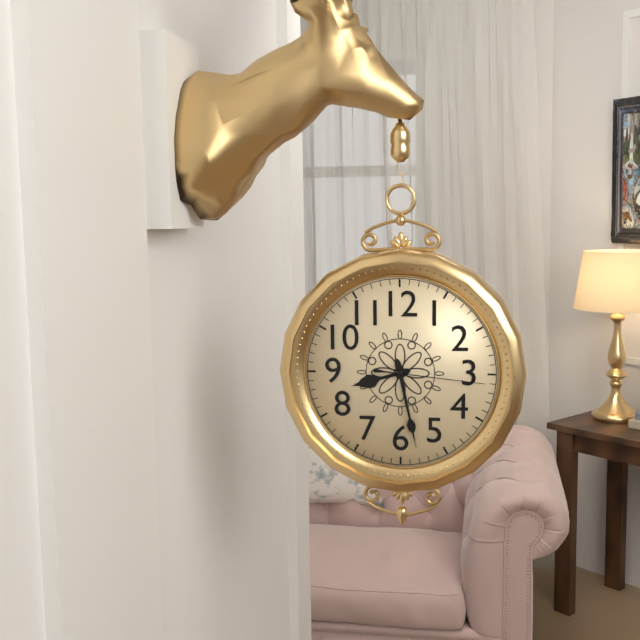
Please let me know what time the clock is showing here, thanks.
8:28:16
